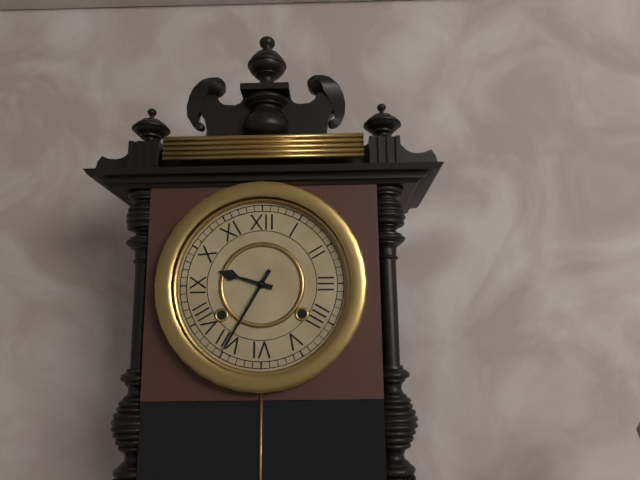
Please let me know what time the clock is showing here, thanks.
9:35
